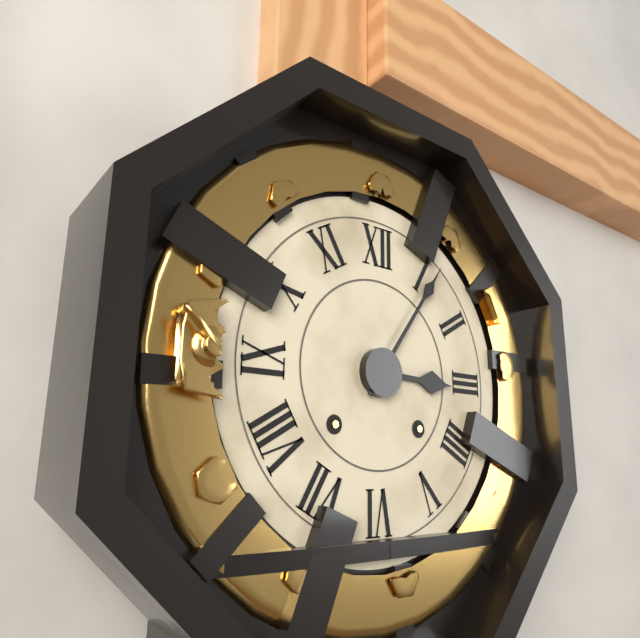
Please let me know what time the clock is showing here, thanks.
3:06
